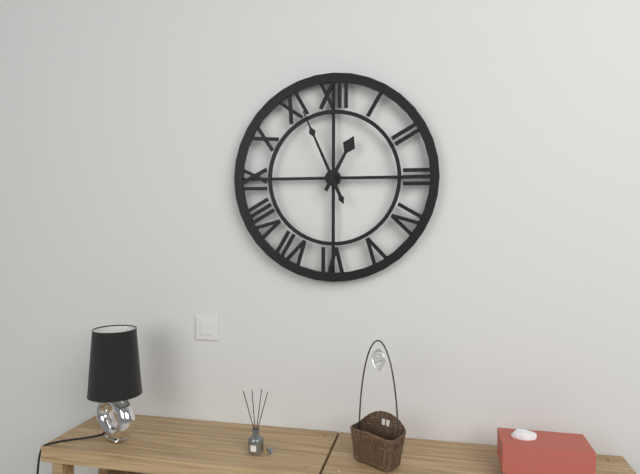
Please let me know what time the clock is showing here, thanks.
12:56
